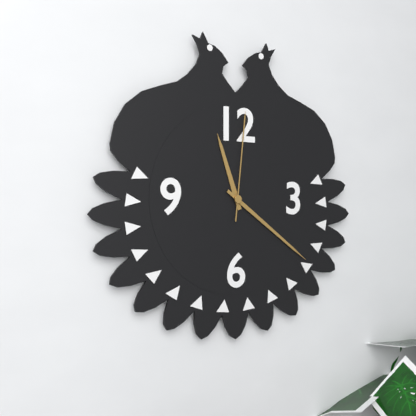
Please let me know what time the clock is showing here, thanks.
11:21:01
